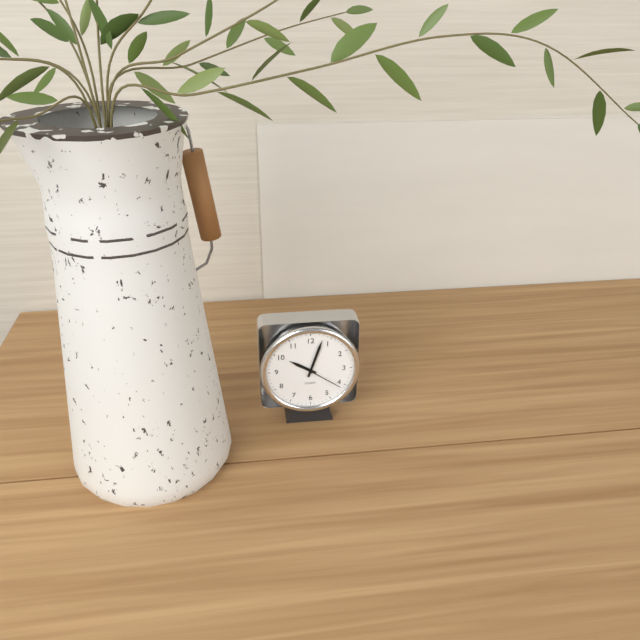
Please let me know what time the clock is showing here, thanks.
10:03
